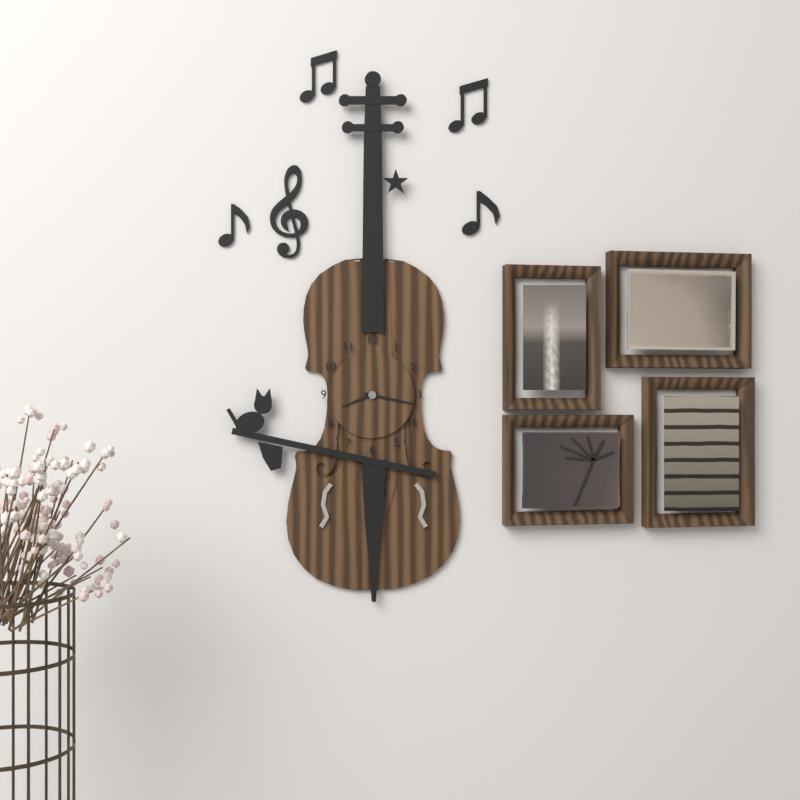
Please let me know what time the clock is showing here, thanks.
8:17
